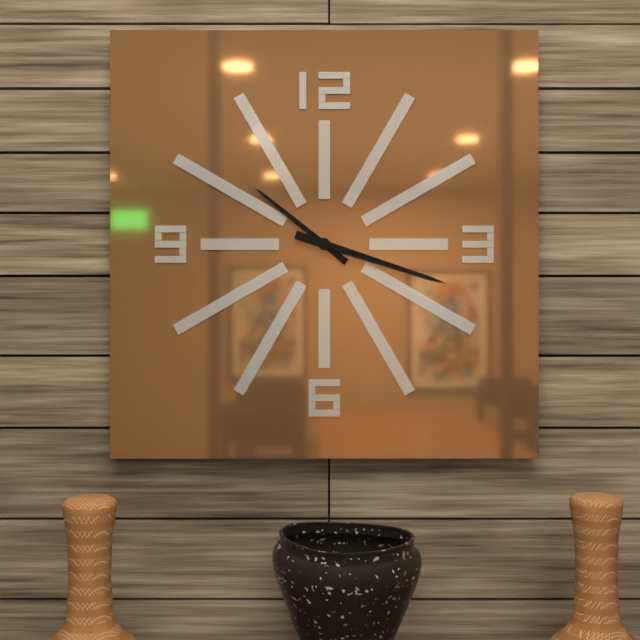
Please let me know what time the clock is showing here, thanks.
10:18
